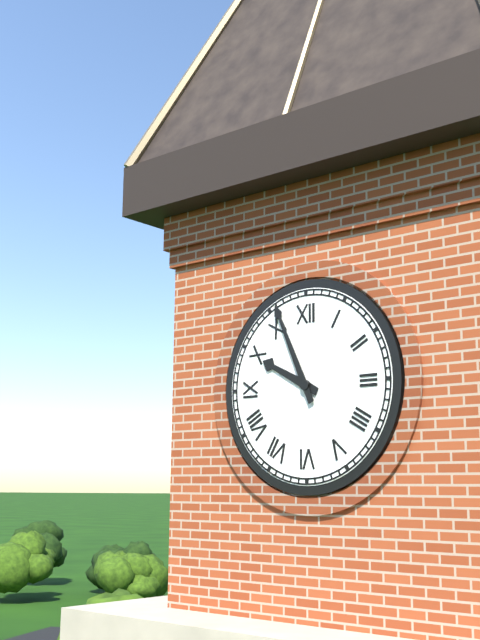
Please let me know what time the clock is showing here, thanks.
9:56
